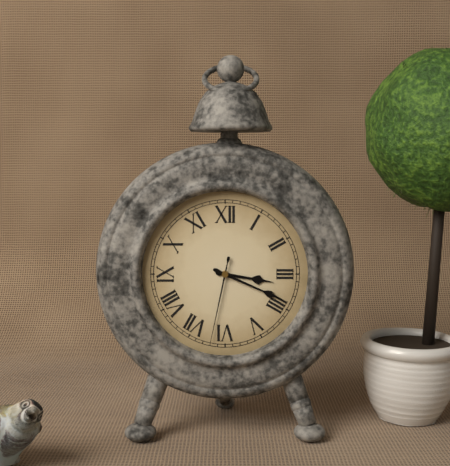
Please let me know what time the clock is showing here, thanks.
3:19:32
